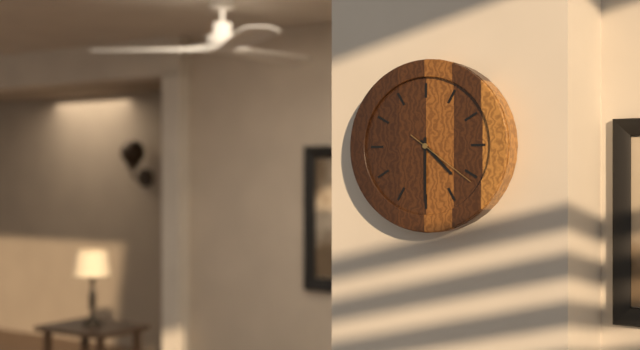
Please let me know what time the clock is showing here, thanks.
4:30:21
